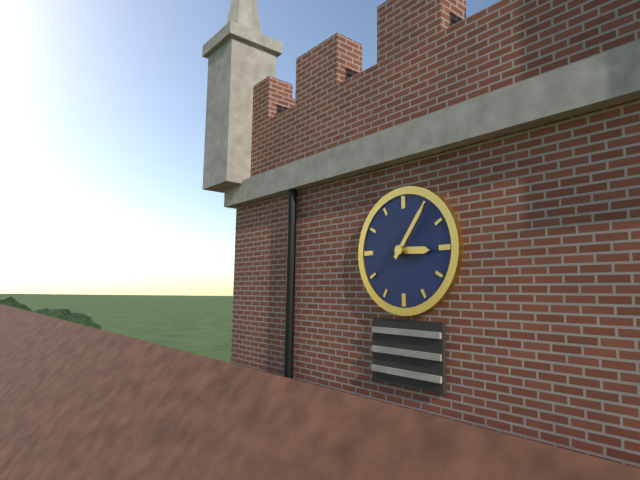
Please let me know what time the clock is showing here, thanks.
3:06
